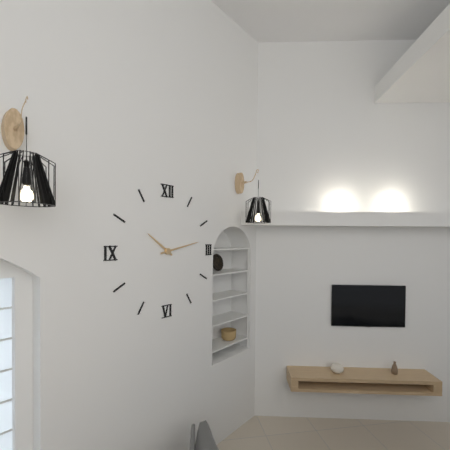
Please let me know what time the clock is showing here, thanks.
10:13
